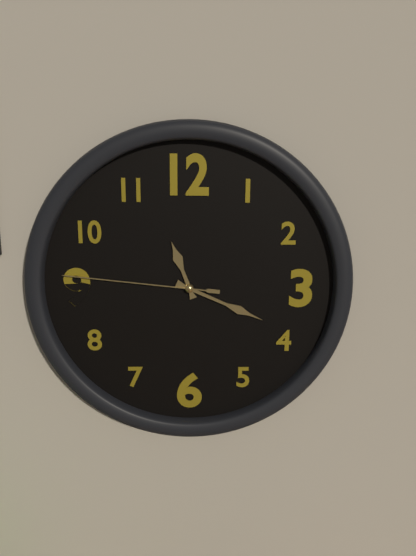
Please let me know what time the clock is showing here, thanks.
11:19:46
